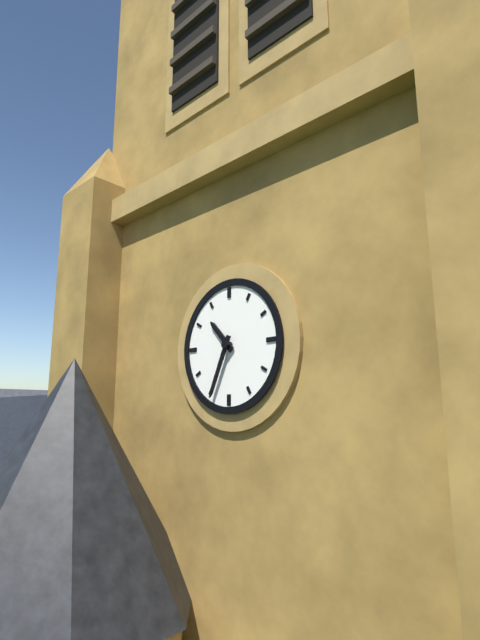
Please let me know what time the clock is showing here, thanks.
10:34
